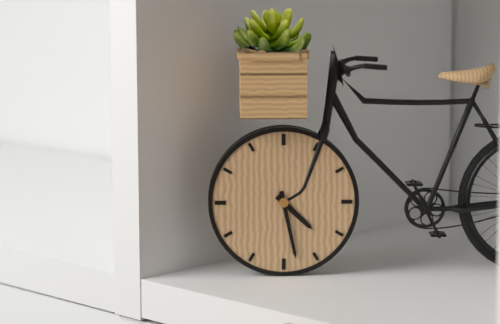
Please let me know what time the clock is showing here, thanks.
4:28
